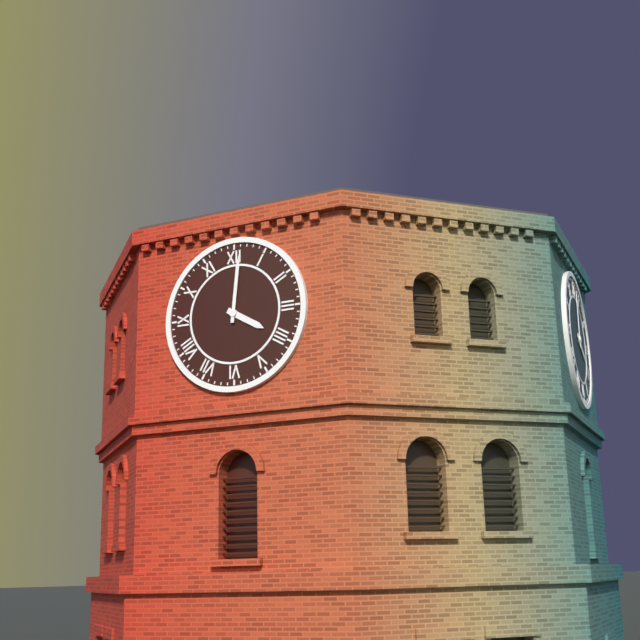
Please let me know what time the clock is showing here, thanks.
4:01
